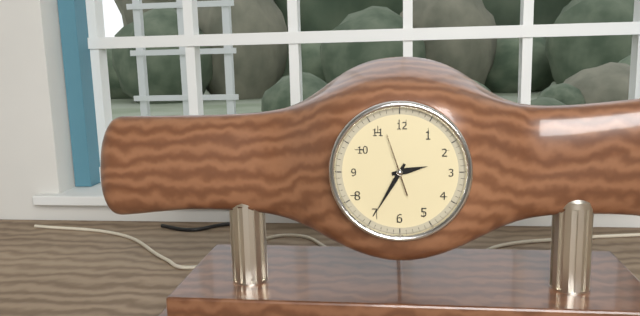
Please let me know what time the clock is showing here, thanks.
2:35:57
